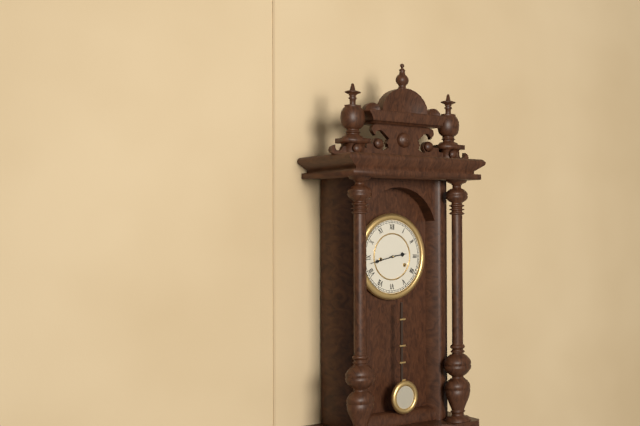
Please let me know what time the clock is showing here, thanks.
2:43
